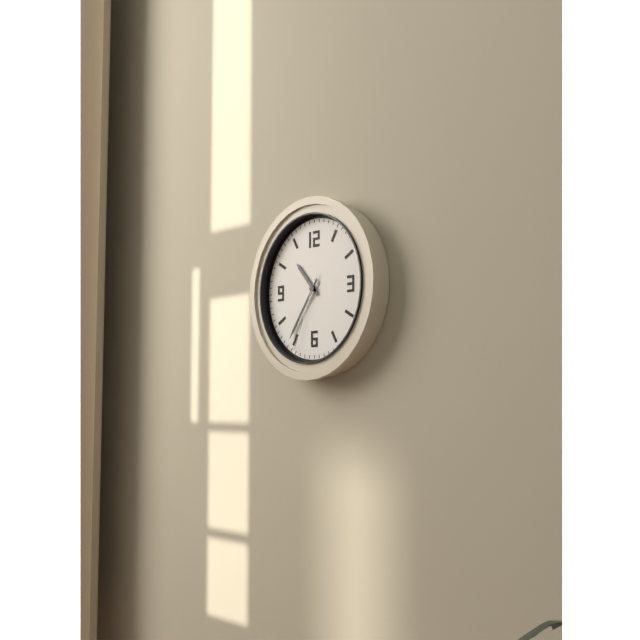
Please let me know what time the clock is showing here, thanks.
10:36:34
